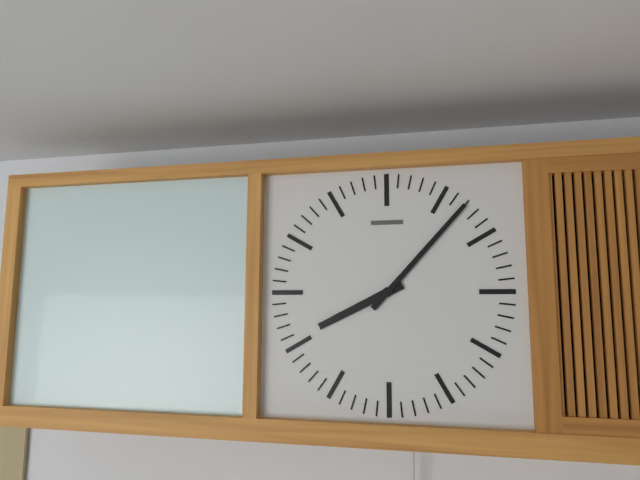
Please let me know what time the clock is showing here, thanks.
8:07
